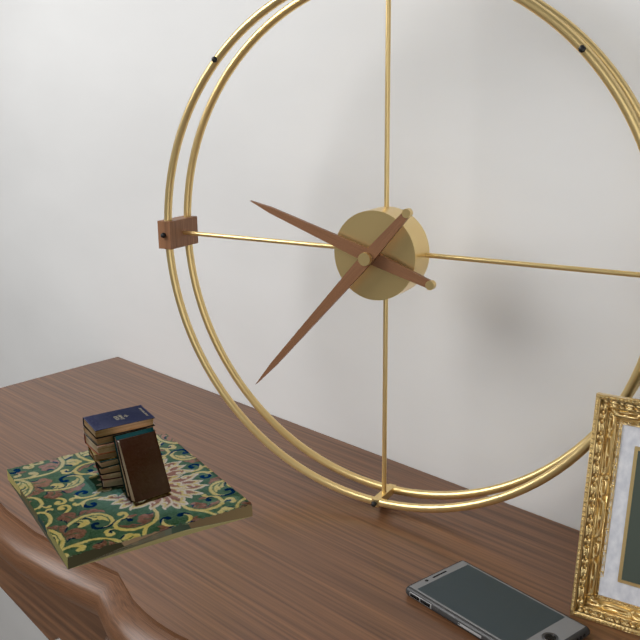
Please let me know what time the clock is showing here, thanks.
9:37
